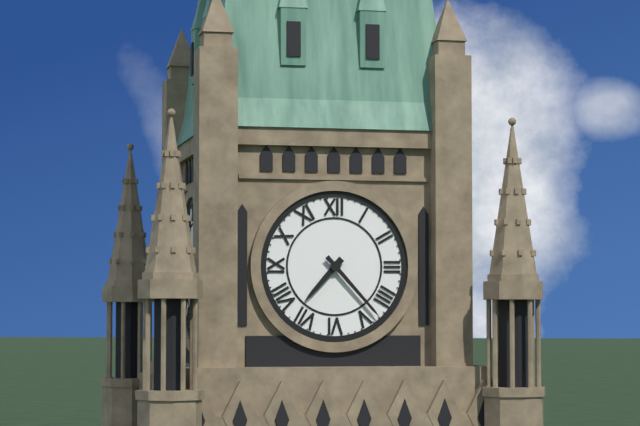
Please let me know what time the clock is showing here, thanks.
7:23
